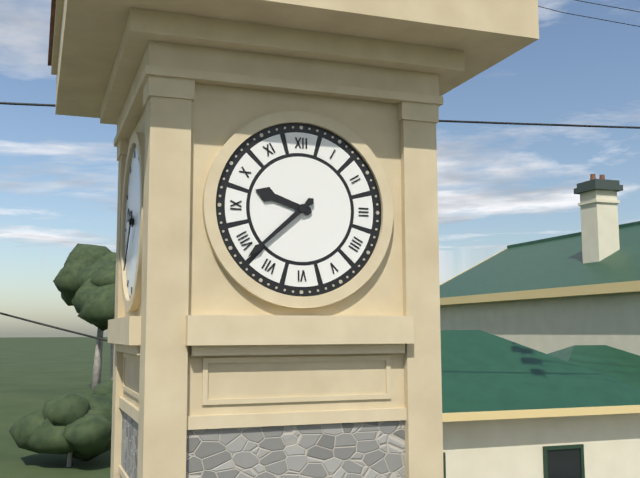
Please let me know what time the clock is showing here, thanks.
9:38
